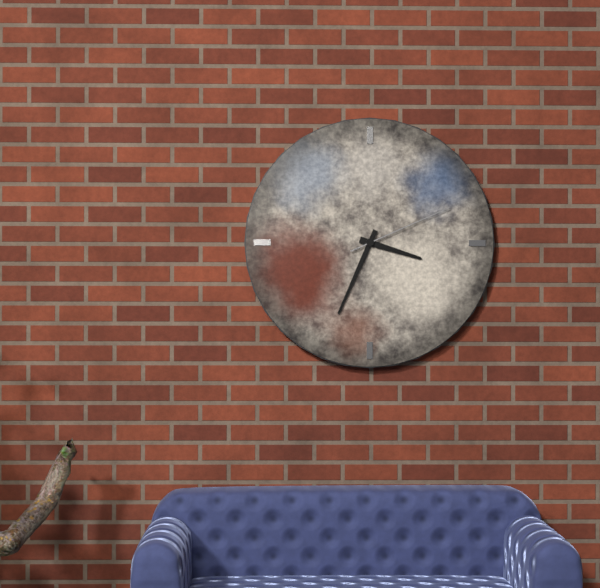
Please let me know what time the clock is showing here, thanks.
3:34:11
